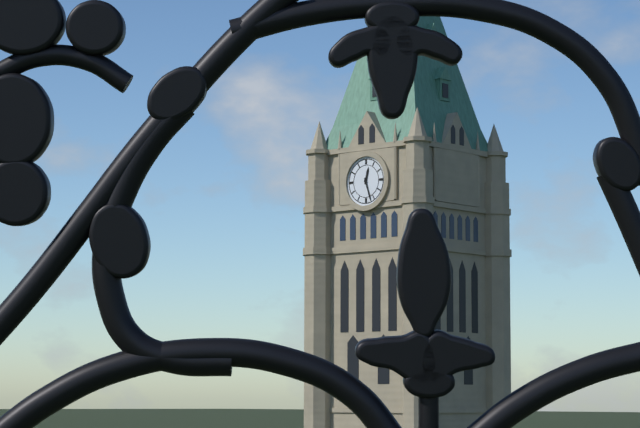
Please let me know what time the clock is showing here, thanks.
12:27
